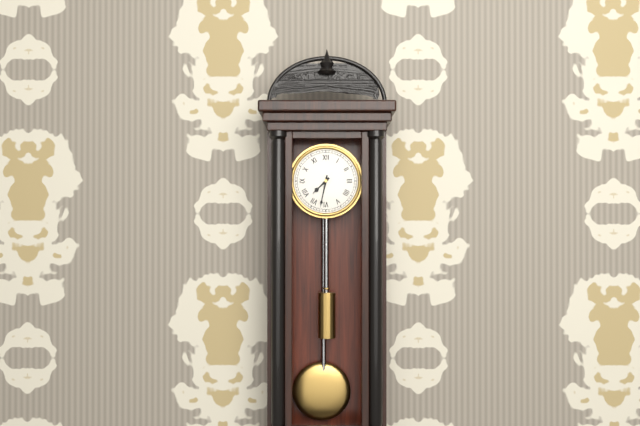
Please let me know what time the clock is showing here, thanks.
7:32
